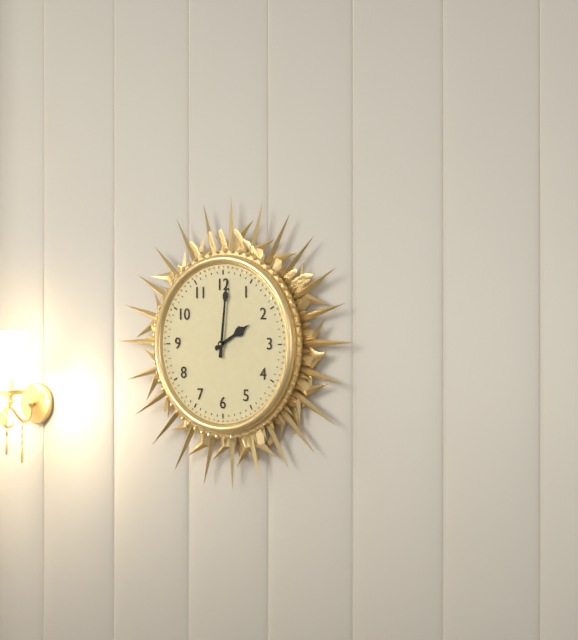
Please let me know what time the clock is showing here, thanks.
2:01
